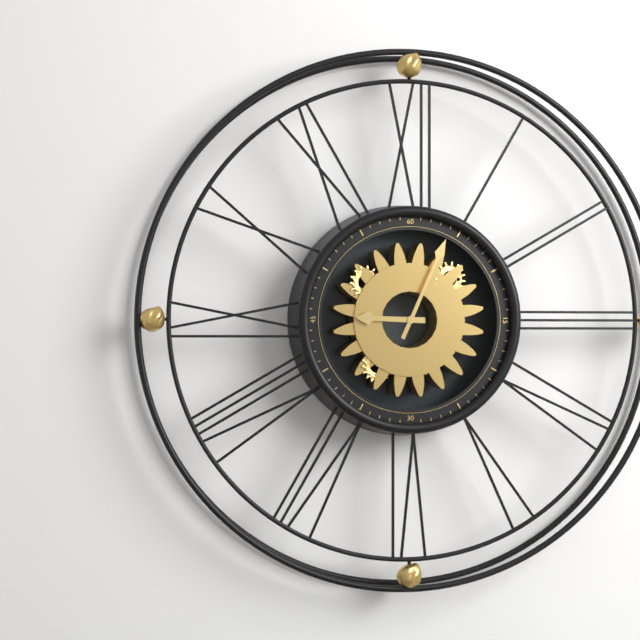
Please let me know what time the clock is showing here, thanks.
9:04
